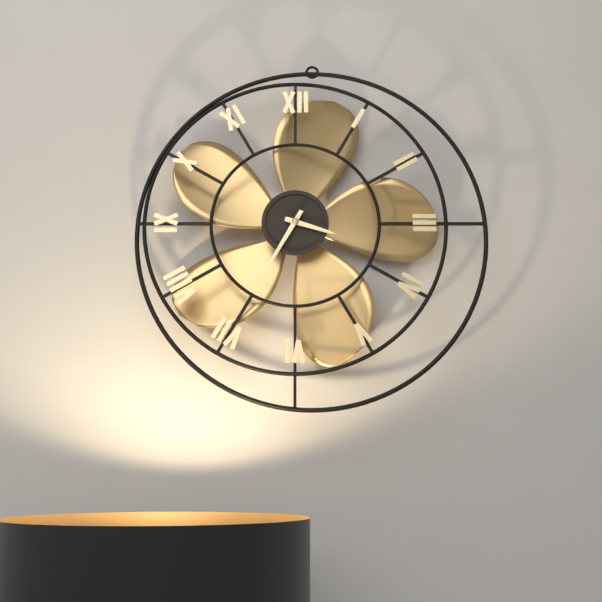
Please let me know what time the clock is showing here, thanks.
3:35
